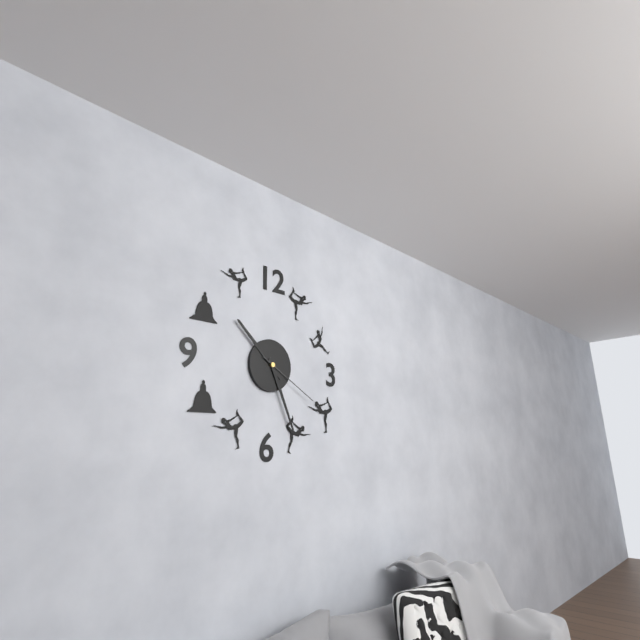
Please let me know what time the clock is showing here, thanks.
10:26:20
